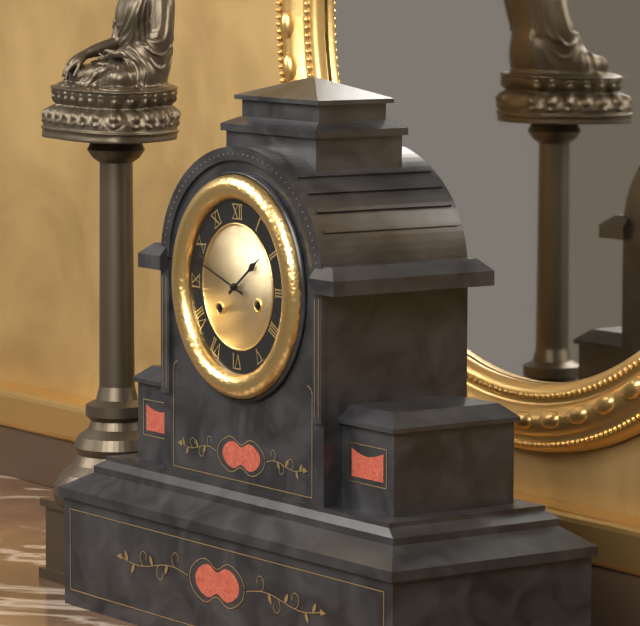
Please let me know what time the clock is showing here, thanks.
1:48
